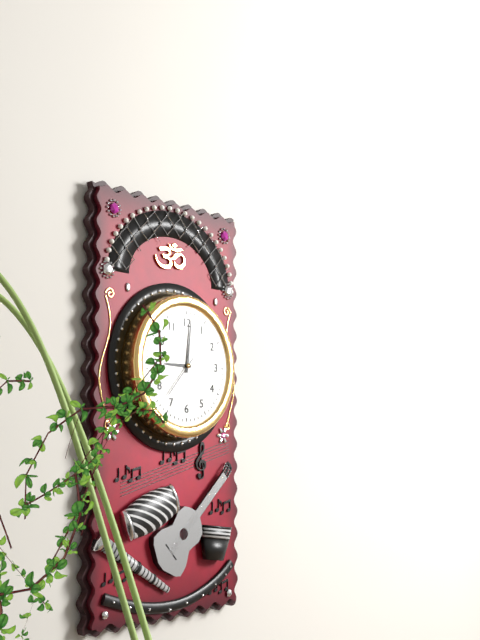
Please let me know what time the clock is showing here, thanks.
9:01
